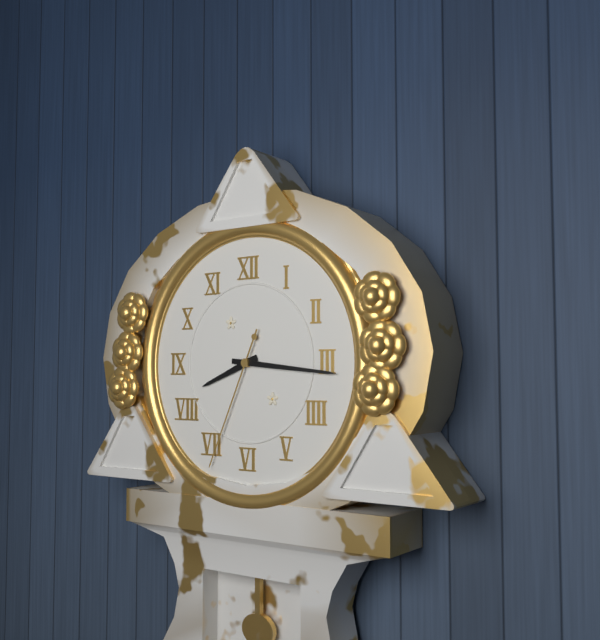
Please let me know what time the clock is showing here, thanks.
8:16:34
